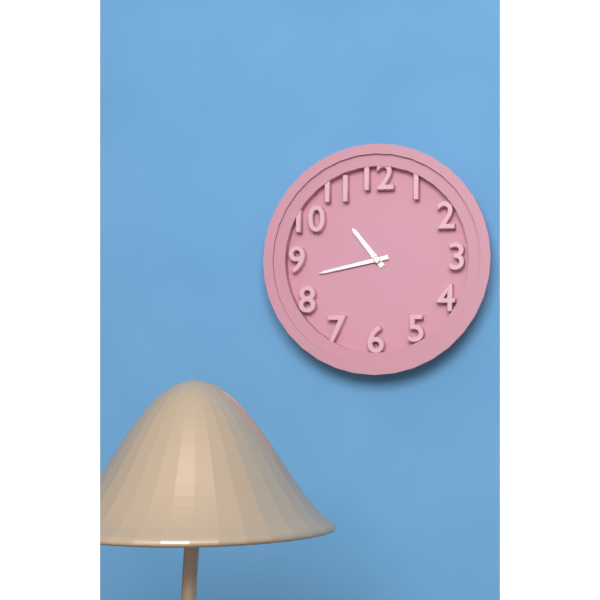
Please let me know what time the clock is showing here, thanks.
10:43
